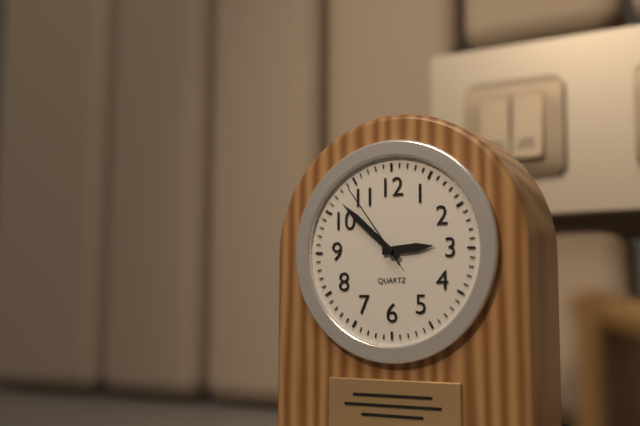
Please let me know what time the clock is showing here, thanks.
2:52:54
